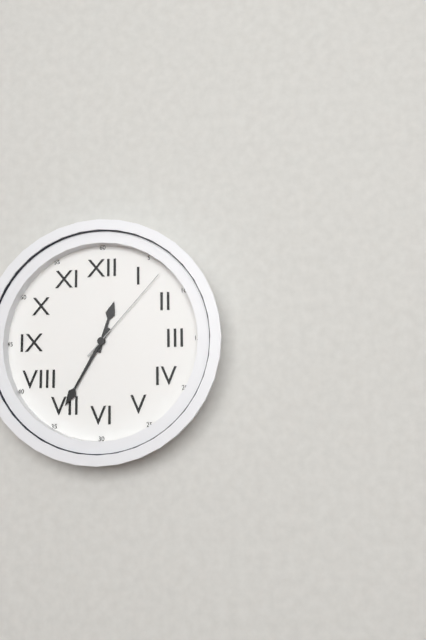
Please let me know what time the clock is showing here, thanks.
12:35:07
